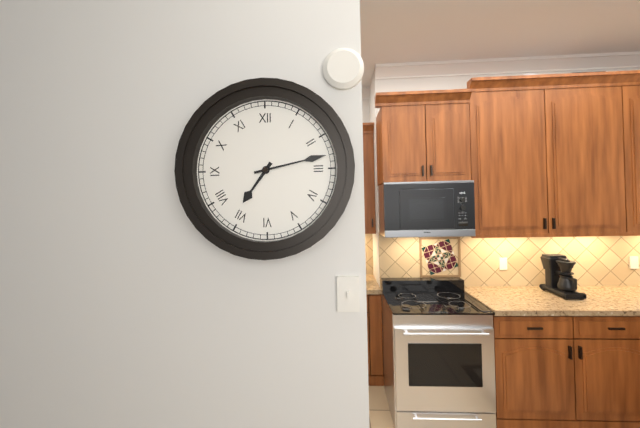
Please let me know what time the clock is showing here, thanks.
7:13
